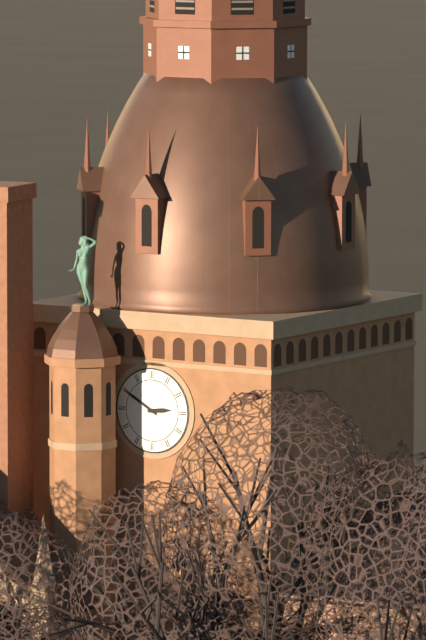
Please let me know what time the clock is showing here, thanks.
2:50
